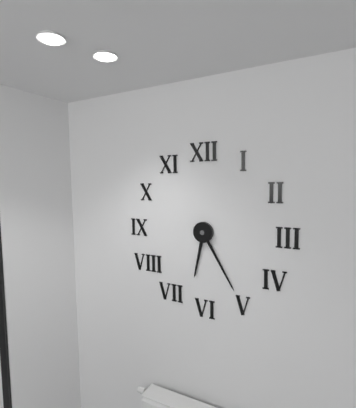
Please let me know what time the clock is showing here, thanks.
6:25
